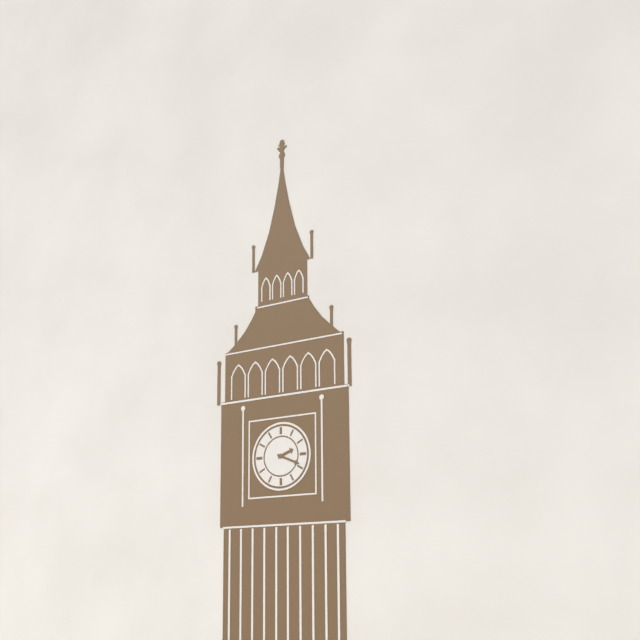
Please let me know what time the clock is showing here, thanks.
2:19
